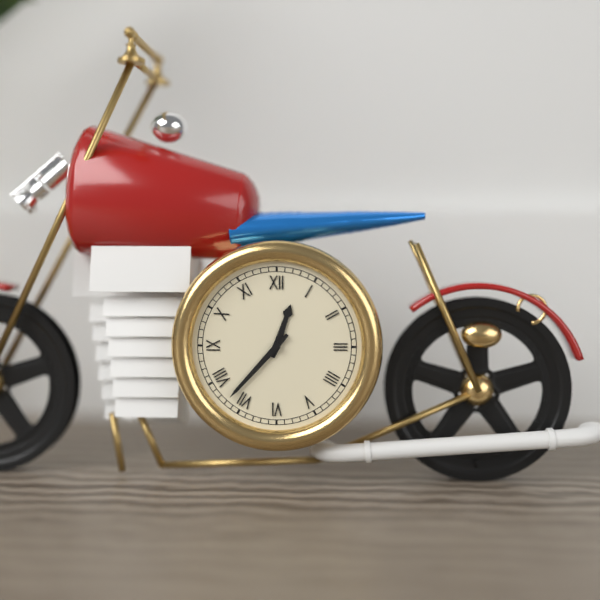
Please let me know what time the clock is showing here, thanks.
12:37
